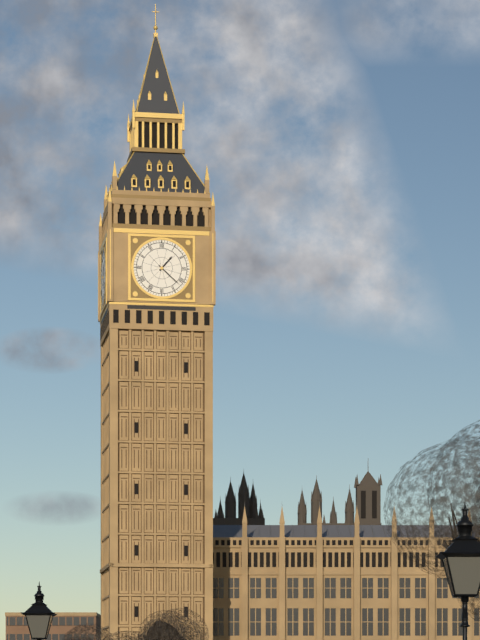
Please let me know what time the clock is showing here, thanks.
1:22
